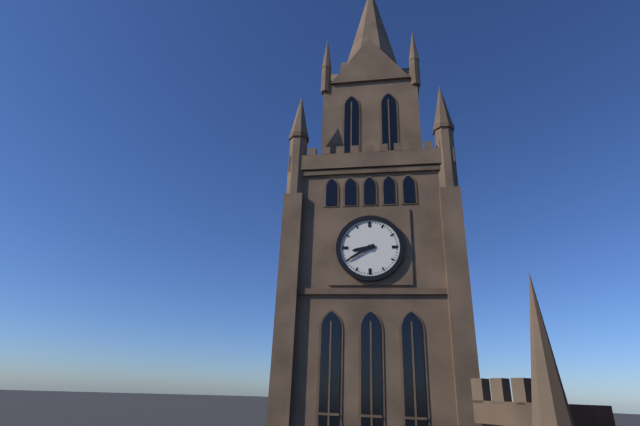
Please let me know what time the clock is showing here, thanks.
8:40
